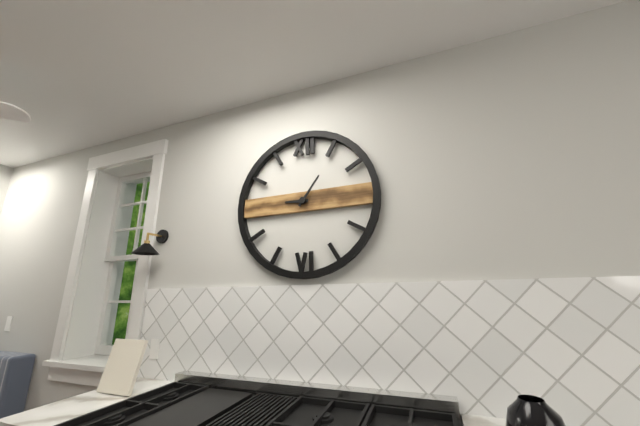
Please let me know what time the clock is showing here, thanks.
9:06
